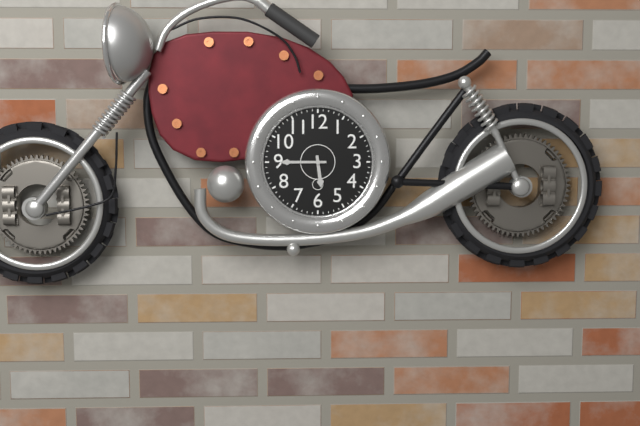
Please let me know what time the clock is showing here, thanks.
5:45
